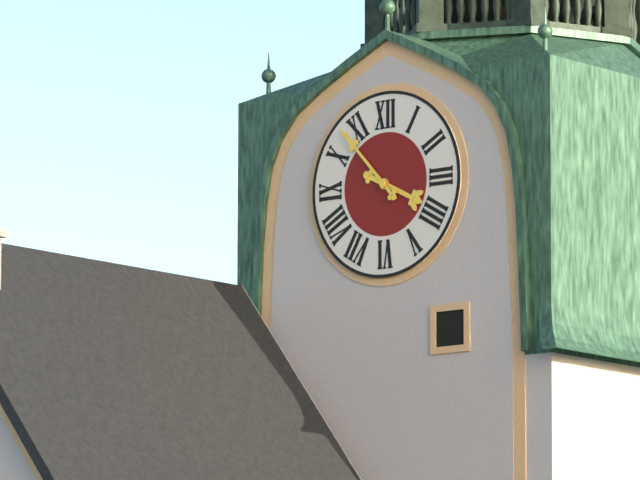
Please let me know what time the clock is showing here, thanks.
3:53
